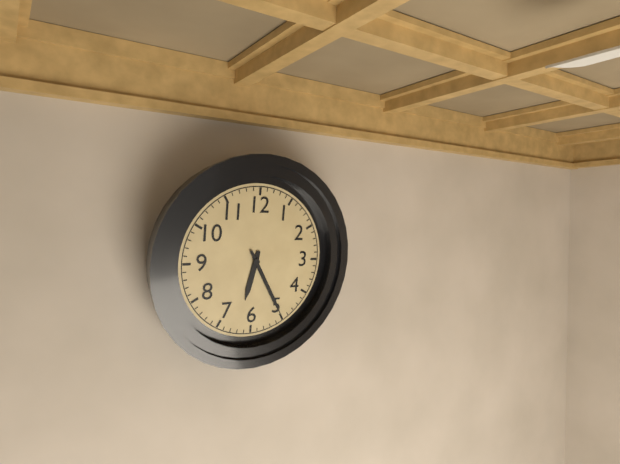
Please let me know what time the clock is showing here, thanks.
6:25
